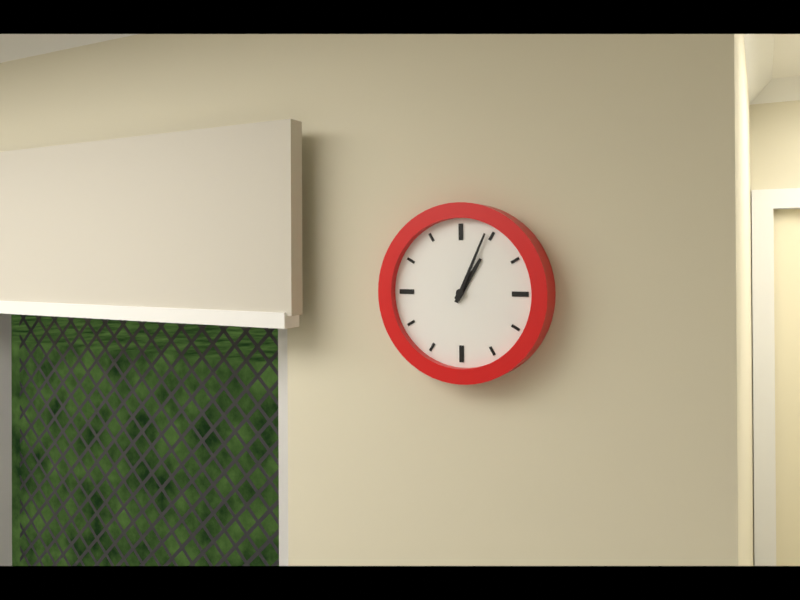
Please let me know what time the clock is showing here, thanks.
1:04
